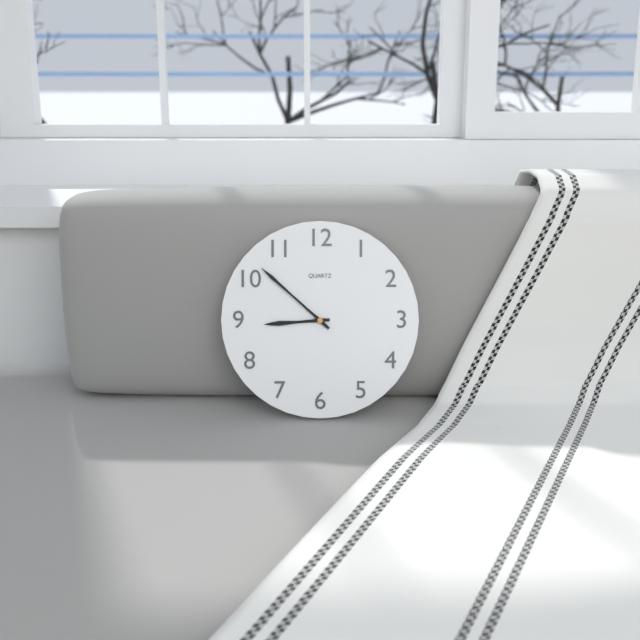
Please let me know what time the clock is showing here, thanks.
8:52
